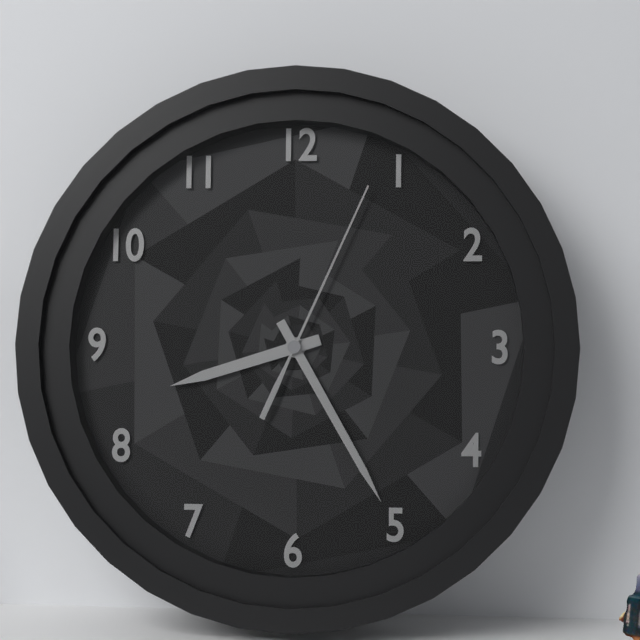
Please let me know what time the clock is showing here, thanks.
8:25:04
